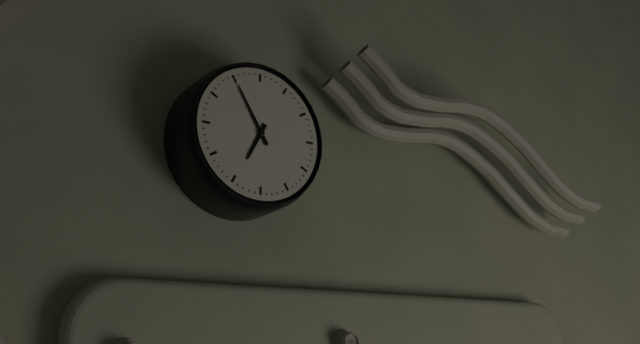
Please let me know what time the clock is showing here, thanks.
6:55
